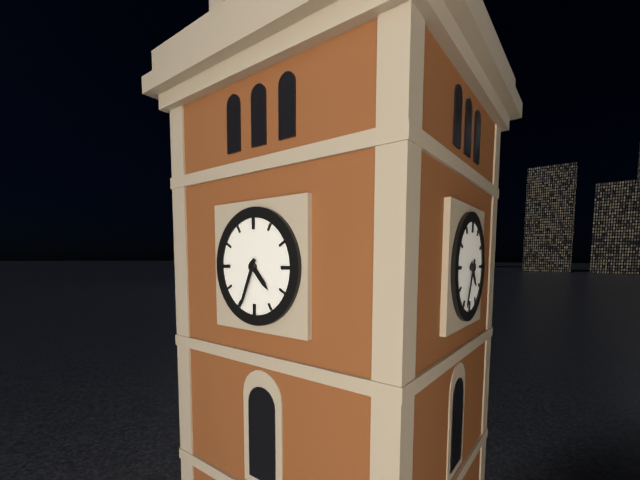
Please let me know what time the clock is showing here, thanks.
4:34
